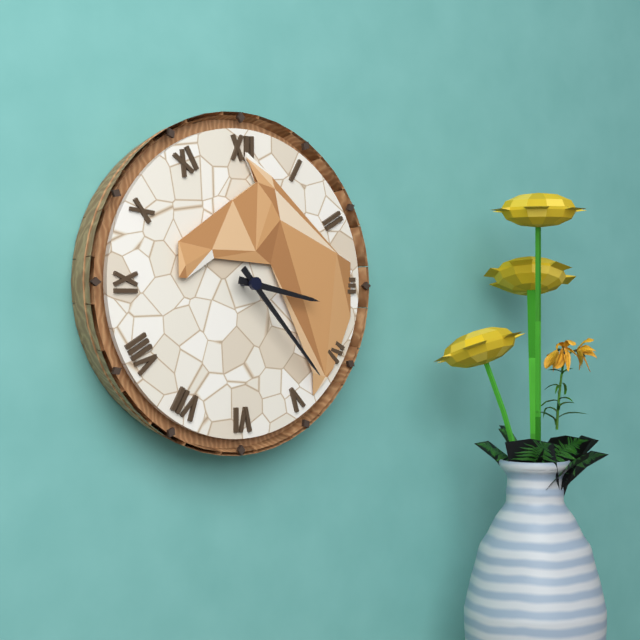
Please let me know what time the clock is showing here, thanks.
3:23
